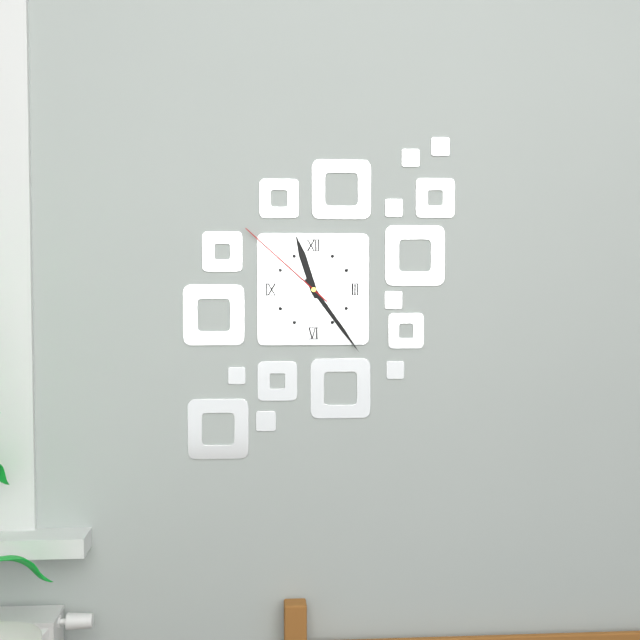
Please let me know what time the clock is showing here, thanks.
11:24:52
